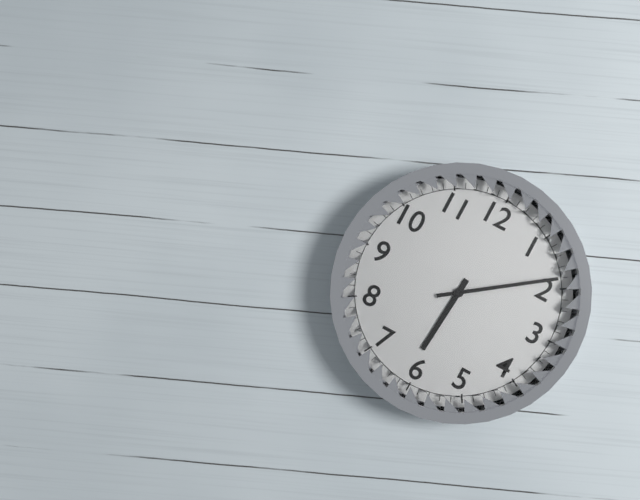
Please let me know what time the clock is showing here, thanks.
6:09
